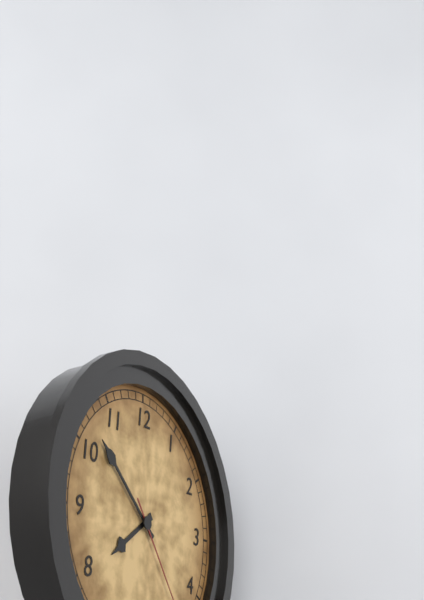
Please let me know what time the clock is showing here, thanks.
7:52
